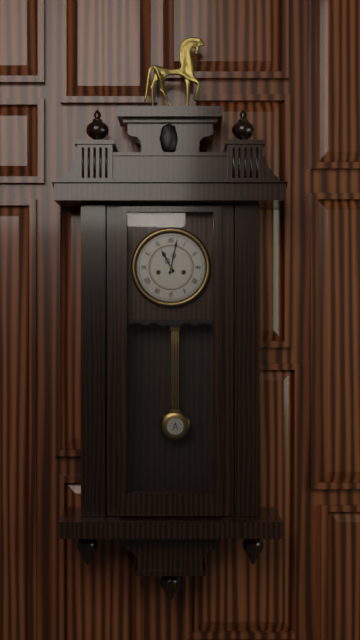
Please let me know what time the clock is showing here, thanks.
11:02
